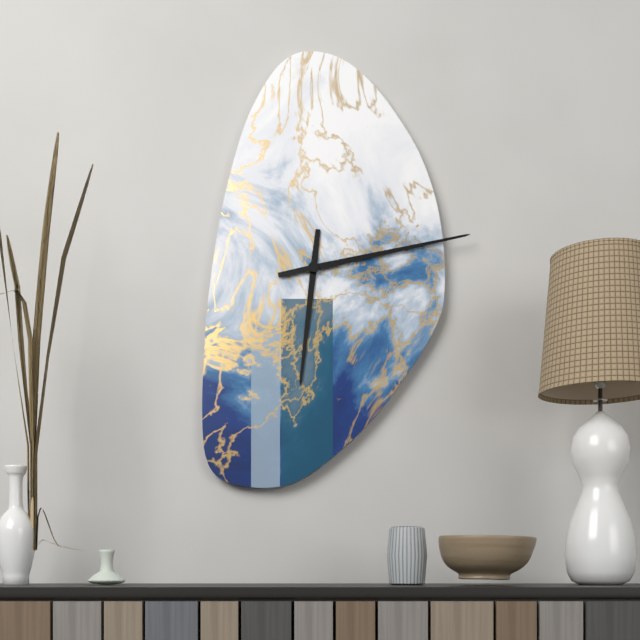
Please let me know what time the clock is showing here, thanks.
6:13
